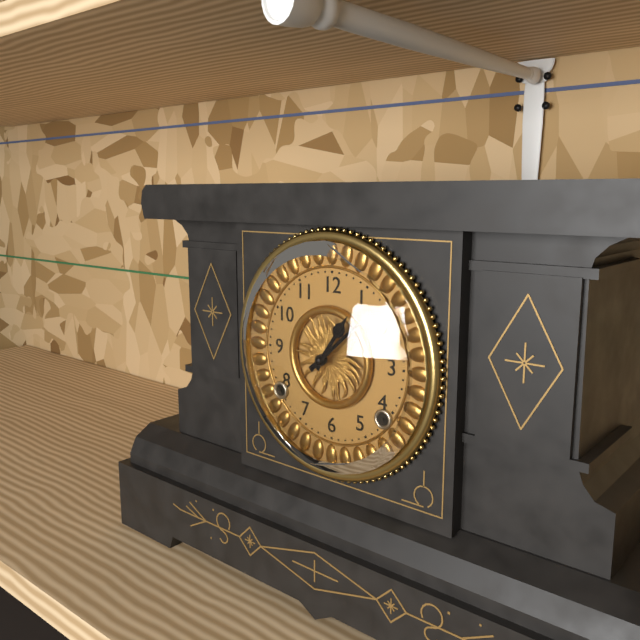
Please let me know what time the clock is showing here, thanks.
1:08
